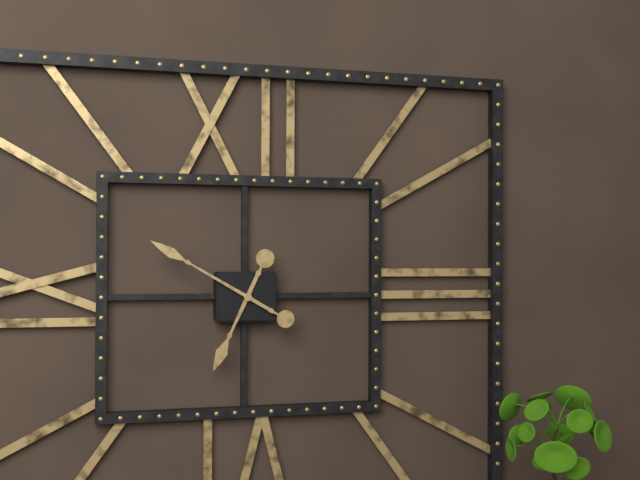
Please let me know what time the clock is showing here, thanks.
6:50
